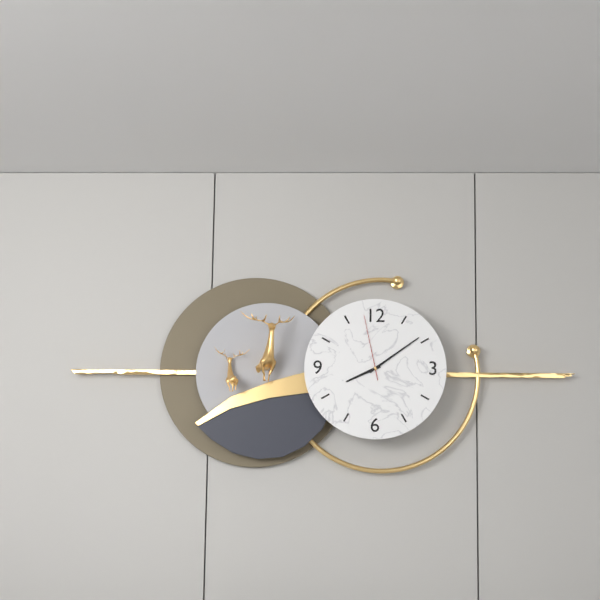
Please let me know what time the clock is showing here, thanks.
8:09:58
